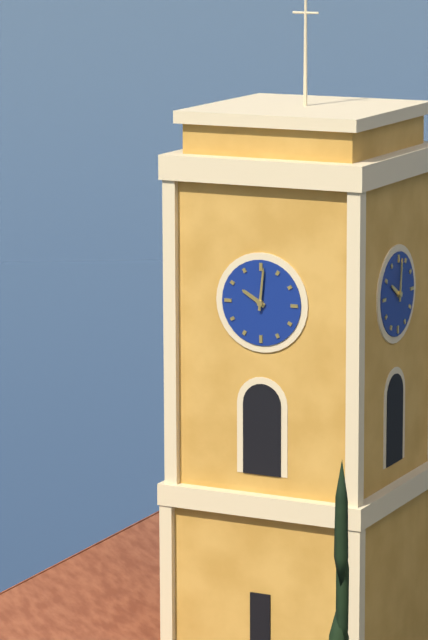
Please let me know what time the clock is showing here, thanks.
10:01
